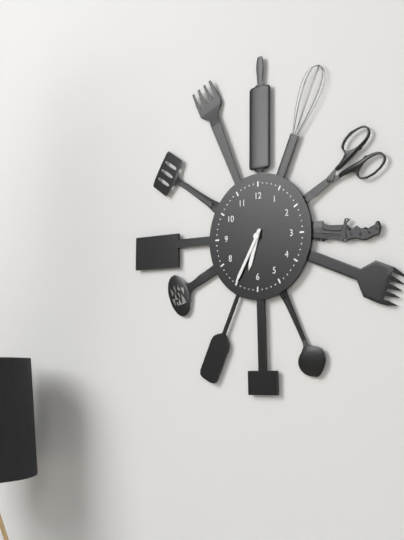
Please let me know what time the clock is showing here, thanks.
6:35
